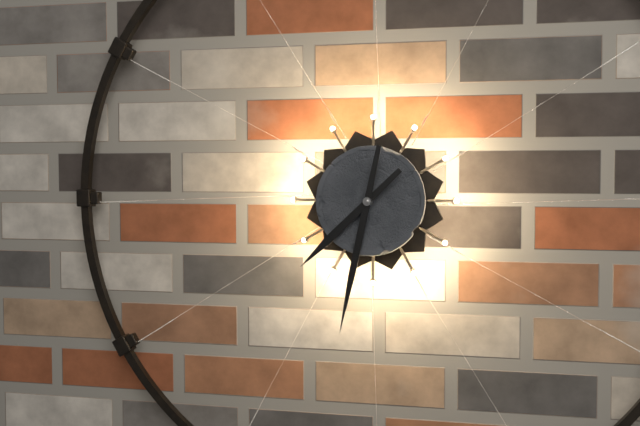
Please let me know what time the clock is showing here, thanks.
7:32
